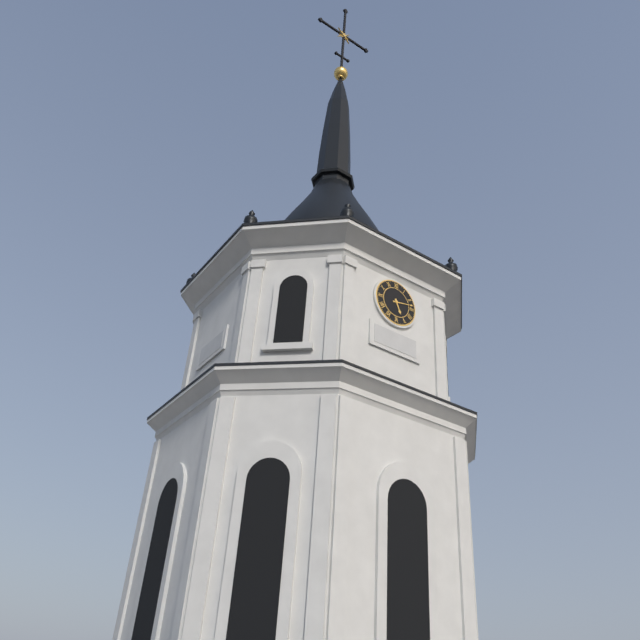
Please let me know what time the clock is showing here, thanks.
5:13
